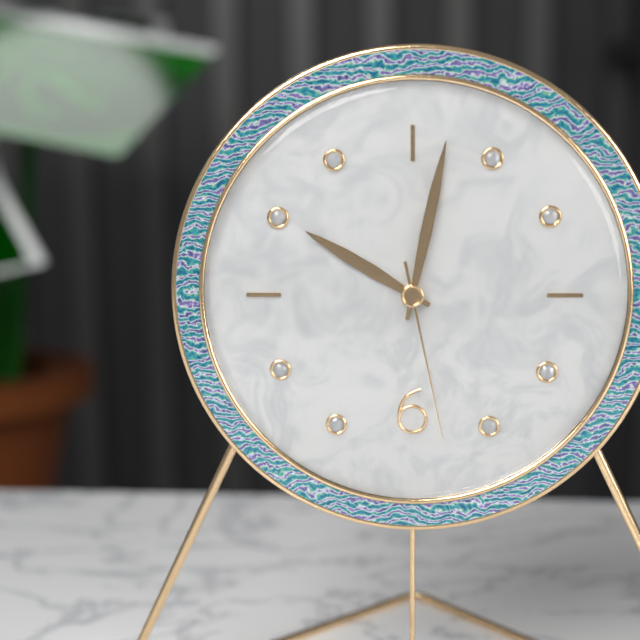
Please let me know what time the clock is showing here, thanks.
10:02:28
